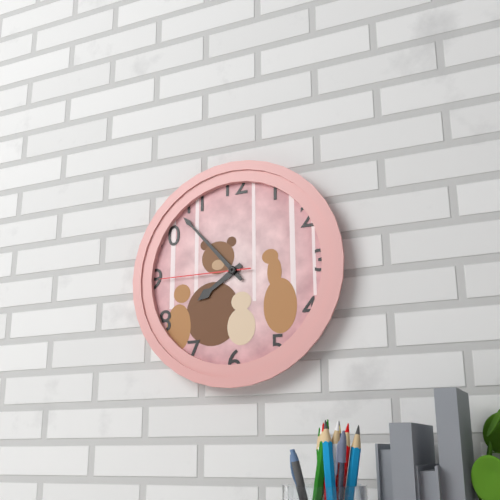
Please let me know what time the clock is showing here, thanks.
7:53:45
